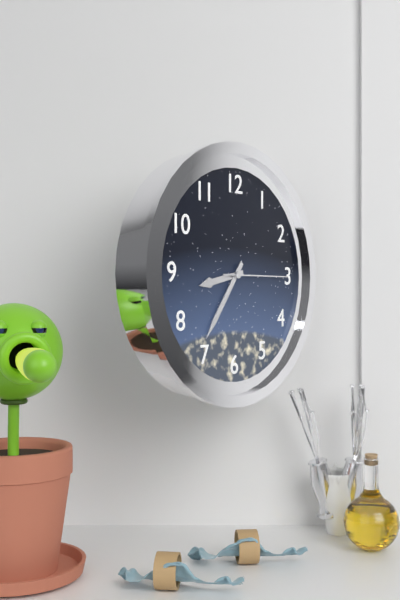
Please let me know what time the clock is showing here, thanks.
8:36:15
